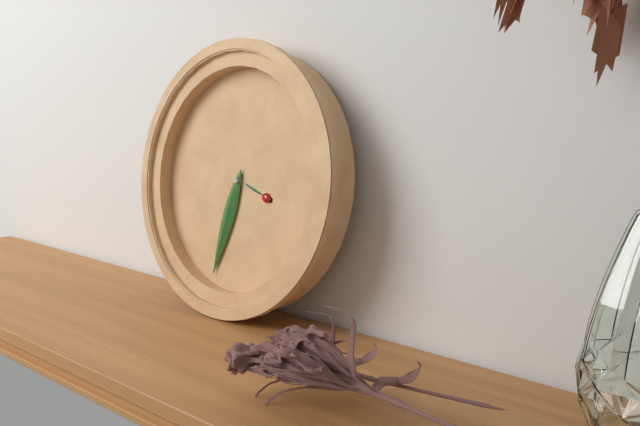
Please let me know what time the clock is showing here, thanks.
3:32
